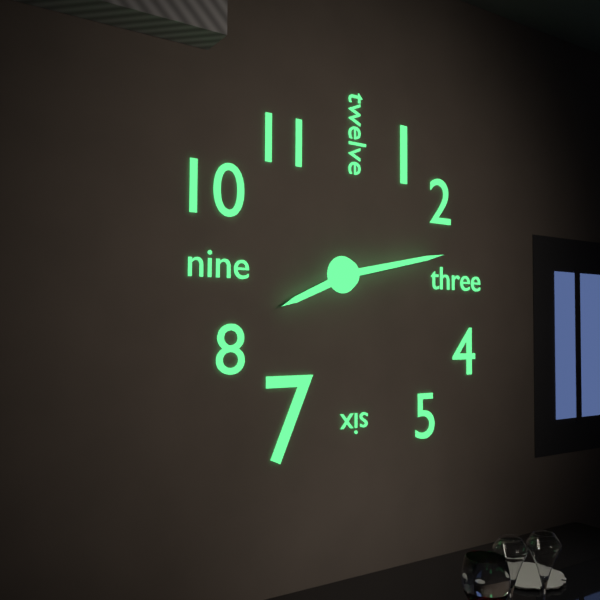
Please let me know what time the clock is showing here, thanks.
8:13
